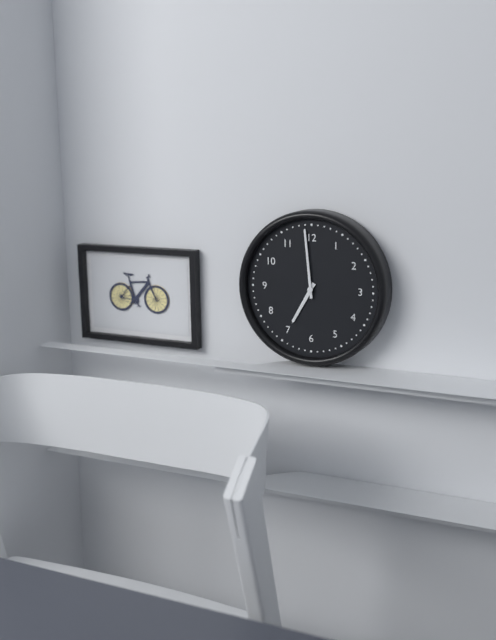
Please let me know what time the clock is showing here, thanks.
6:59
